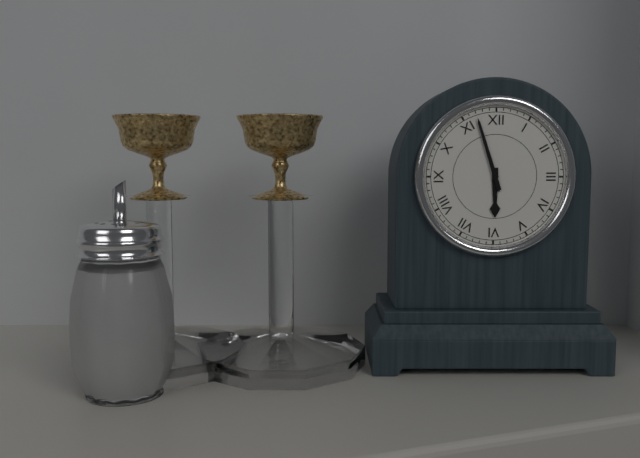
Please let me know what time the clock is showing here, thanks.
5:57
